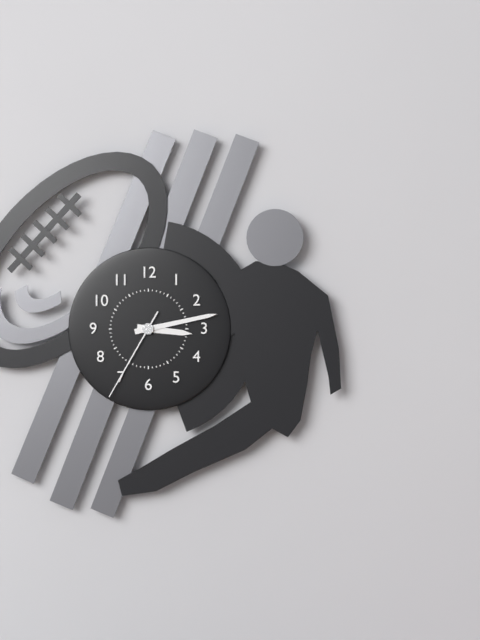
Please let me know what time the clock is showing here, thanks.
3:13:35
